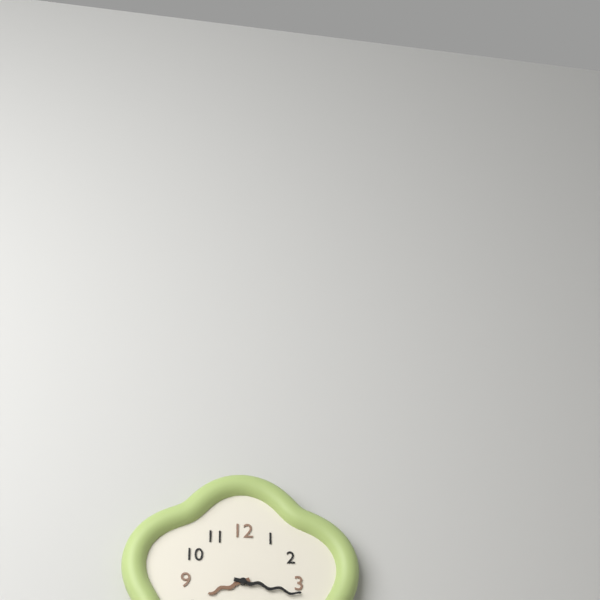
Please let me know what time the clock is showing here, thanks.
8:17
